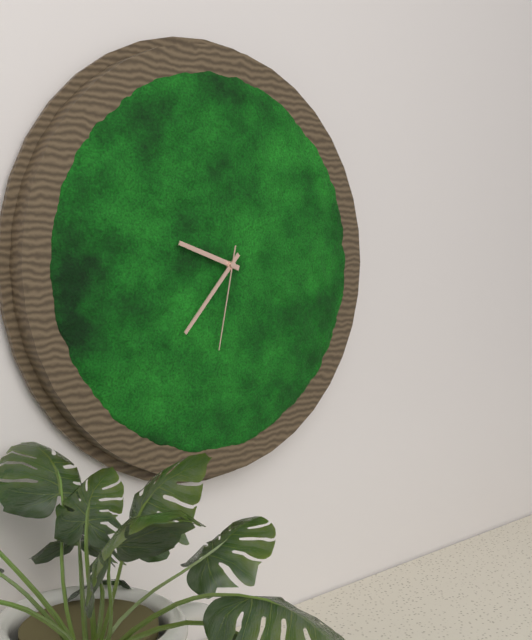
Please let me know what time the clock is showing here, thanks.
9:37:32
